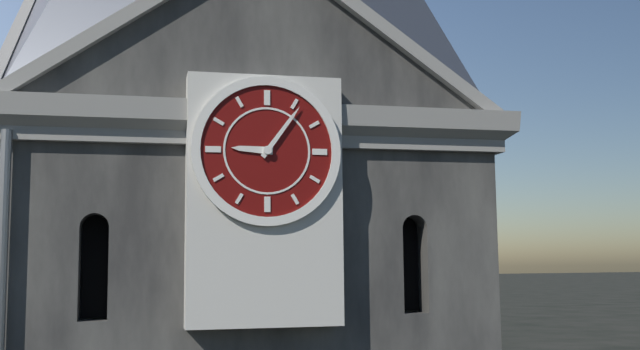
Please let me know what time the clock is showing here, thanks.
9:06
